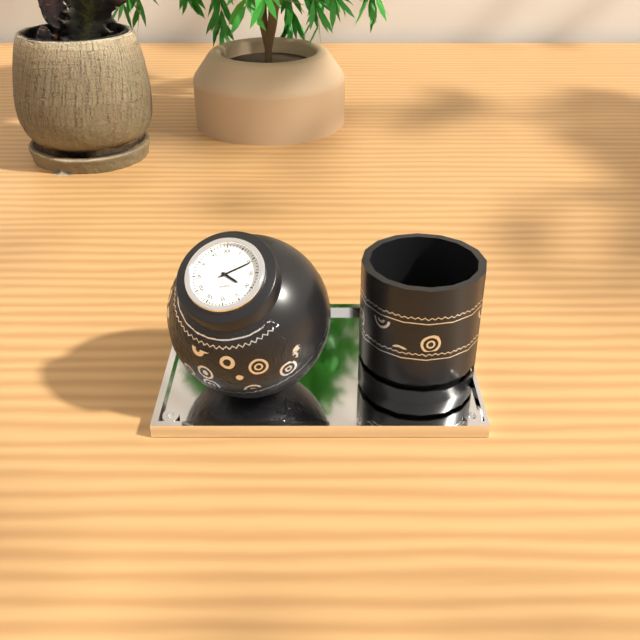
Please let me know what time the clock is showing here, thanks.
4:11:11
